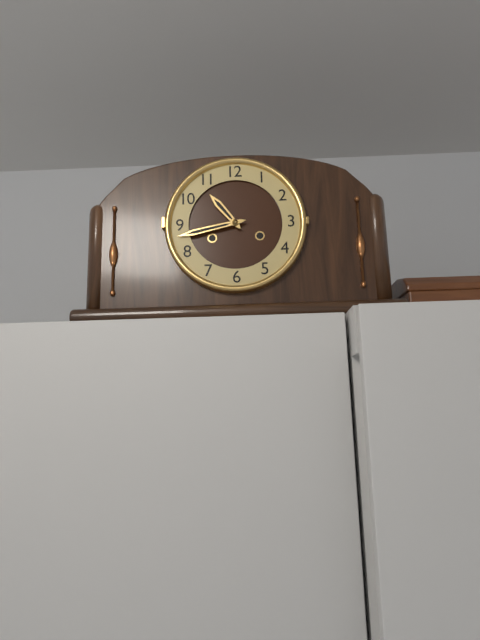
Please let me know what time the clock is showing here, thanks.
10:43
